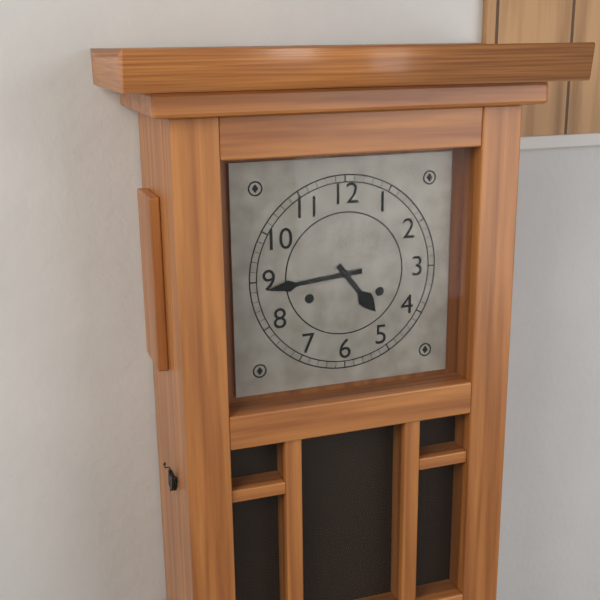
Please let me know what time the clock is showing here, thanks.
4:44
